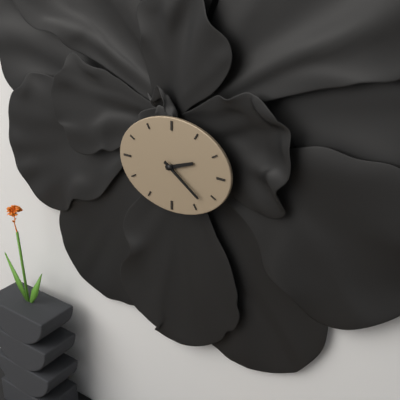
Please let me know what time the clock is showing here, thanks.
2:21
